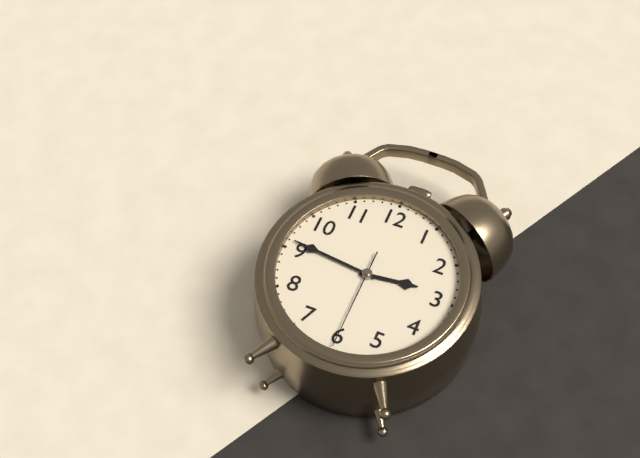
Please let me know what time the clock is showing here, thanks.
2:46:30
